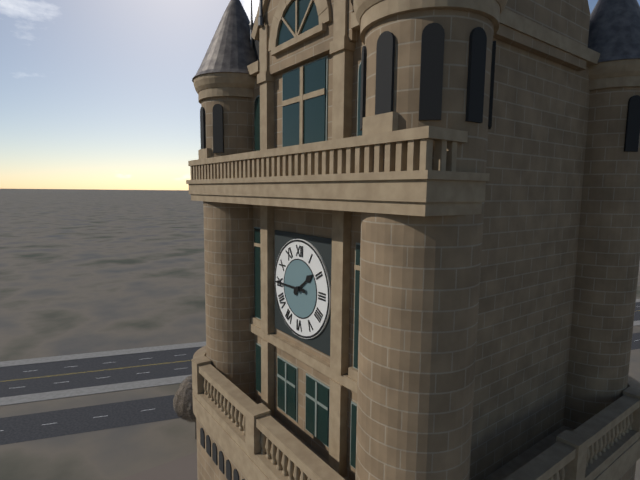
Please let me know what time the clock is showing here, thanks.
1:45
